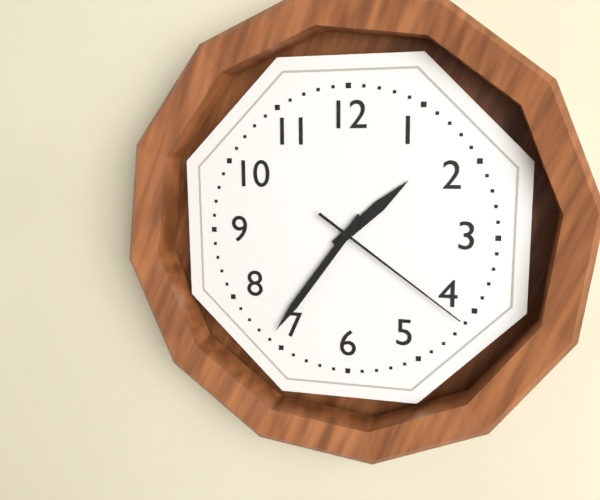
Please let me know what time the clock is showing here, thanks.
1:36:21
